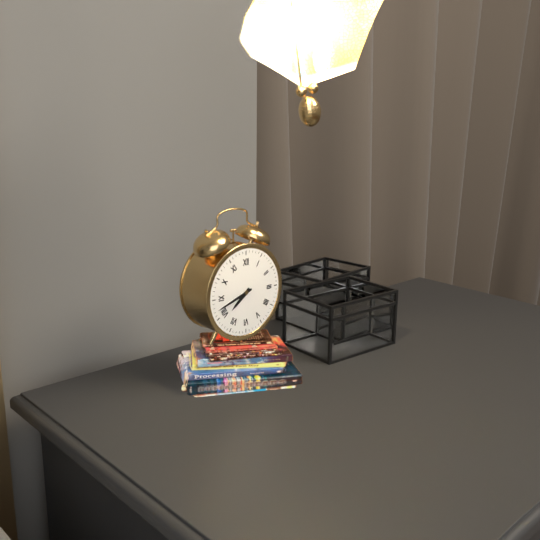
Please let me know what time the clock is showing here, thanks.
7:42
